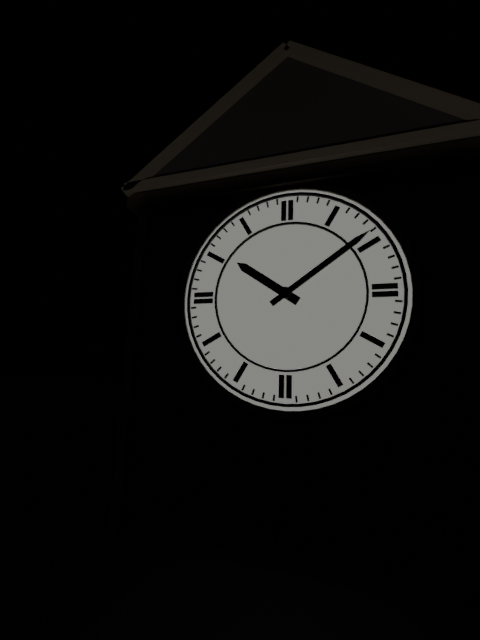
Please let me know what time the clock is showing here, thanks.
10:09
